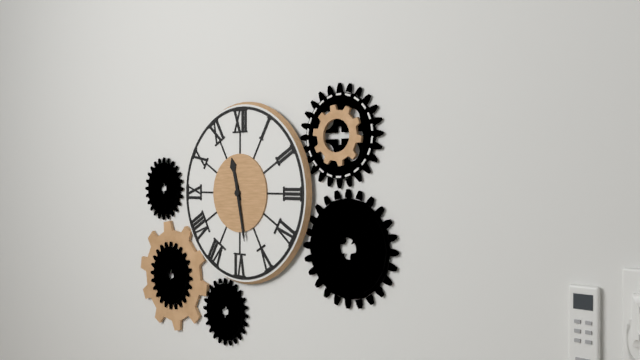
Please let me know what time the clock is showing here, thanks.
11:28
